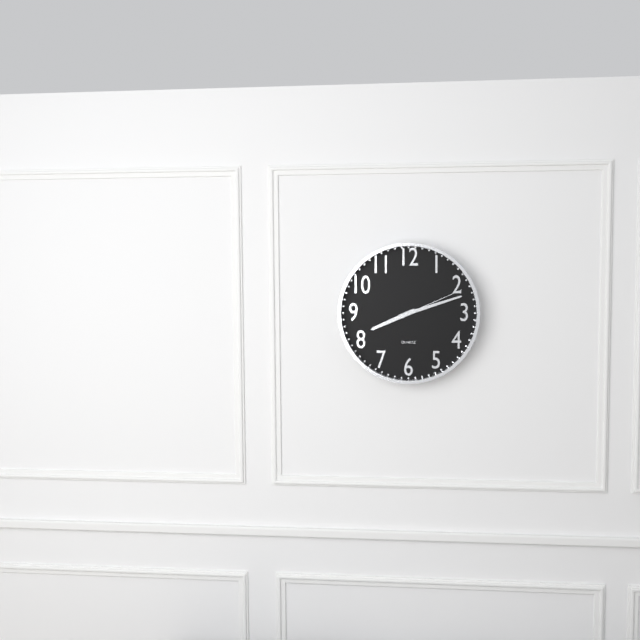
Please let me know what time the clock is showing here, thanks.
8:12:11
